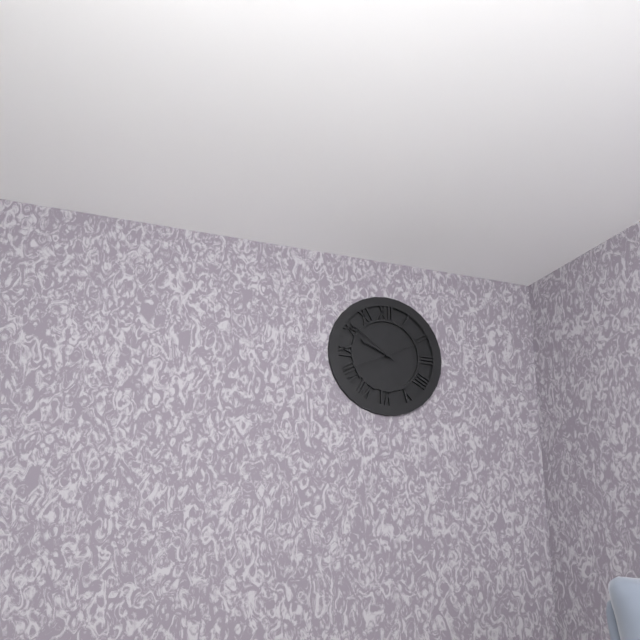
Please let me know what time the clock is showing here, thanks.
9:51:41
